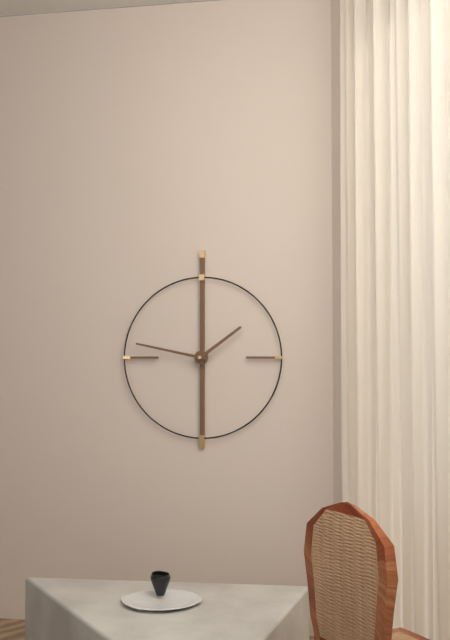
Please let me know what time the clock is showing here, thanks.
1:47
